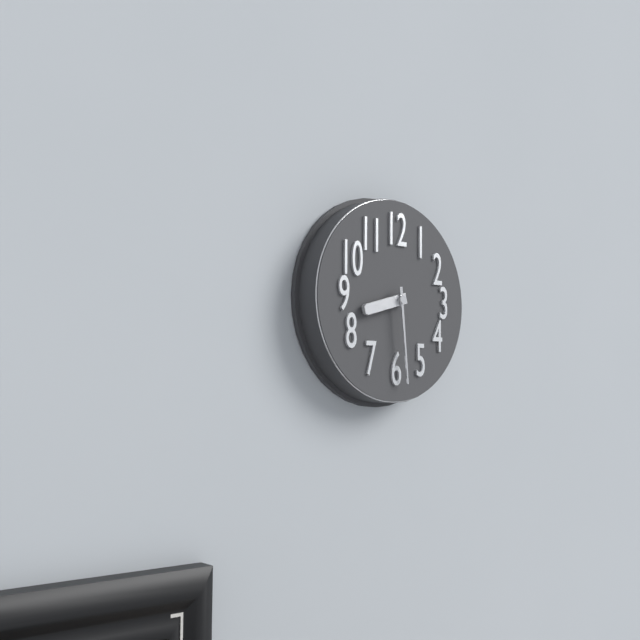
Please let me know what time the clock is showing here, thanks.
8:29
